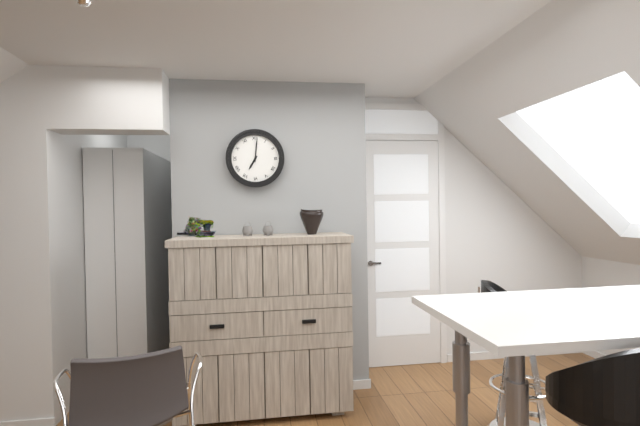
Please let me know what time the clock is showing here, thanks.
7:01
